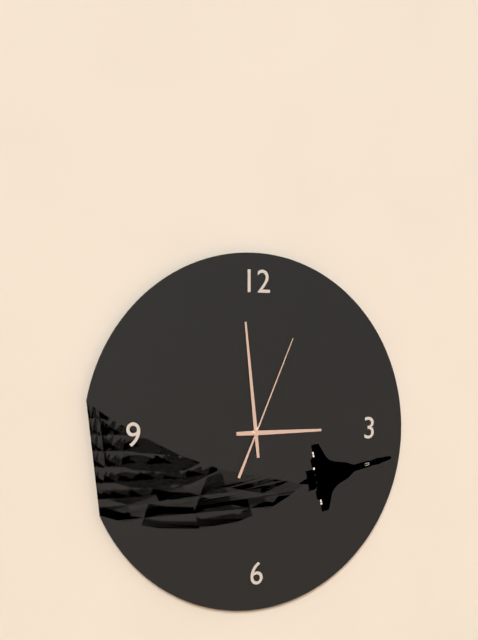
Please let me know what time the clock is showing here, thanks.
2:59:04
